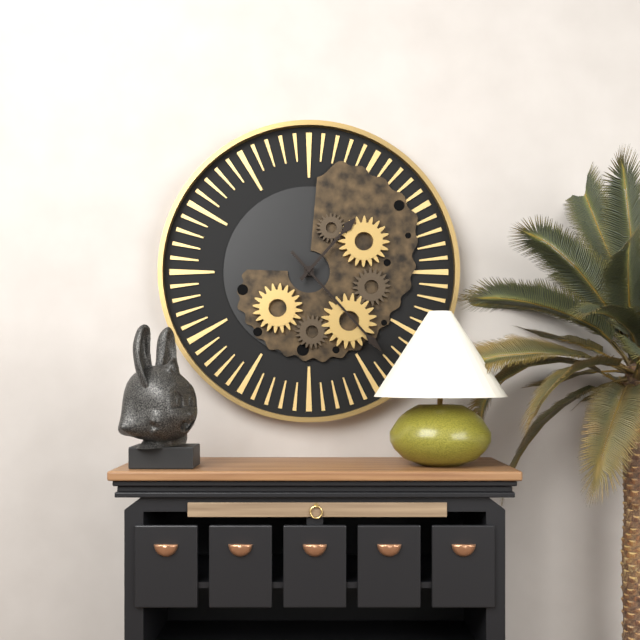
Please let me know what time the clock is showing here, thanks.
1:23
